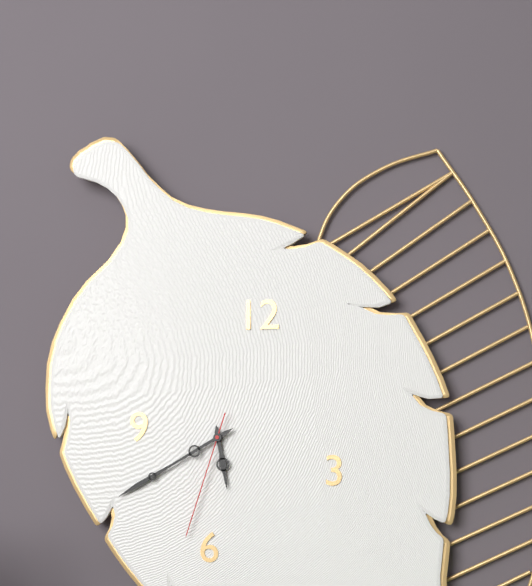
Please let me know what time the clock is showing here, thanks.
5:40:33
